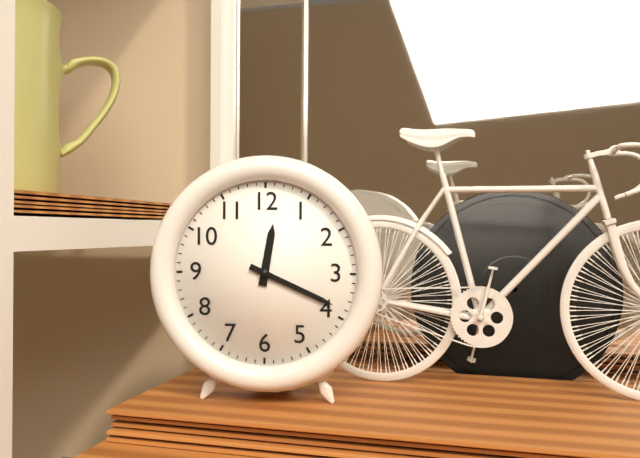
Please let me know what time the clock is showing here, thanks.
12:19
